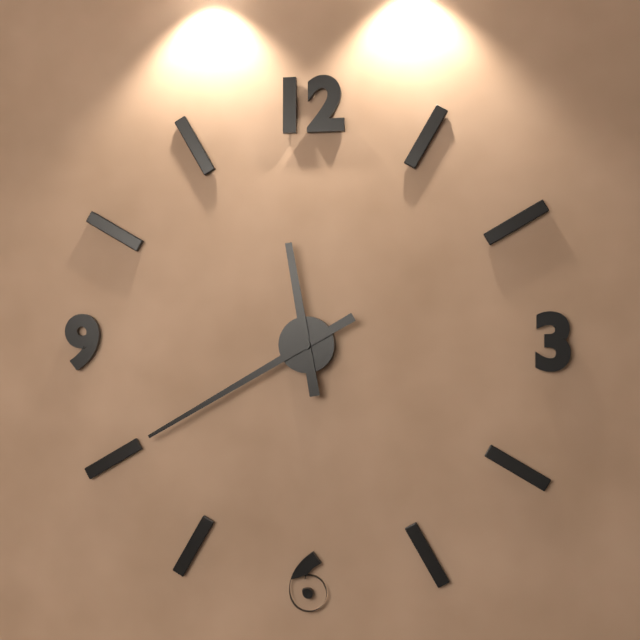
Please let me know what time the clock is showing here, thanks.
11:40
